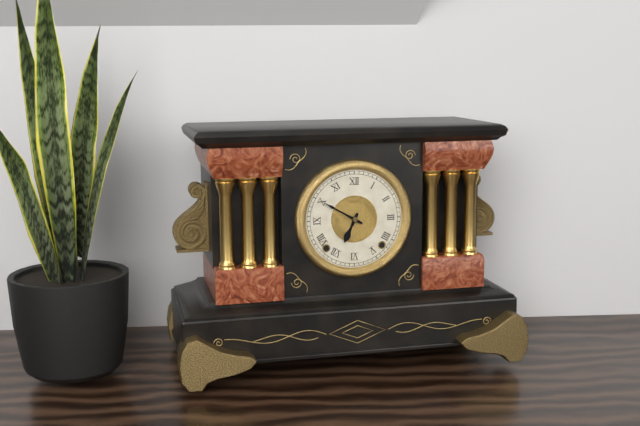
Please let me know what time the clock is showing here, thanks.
6:50
